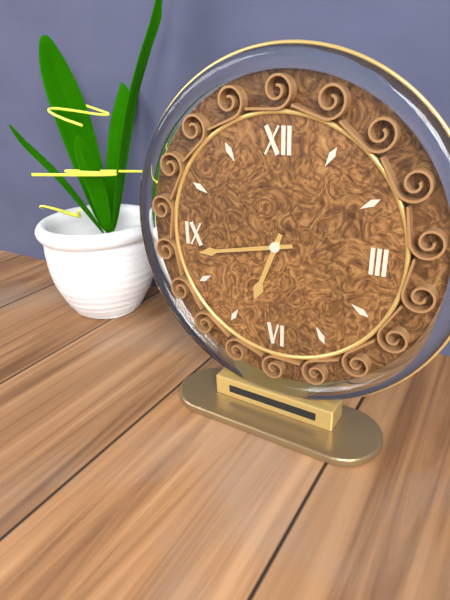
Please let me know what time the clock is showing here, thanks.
6:43
